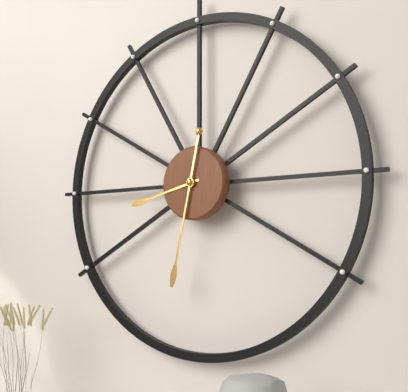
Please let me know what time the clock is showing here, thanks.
8:32
